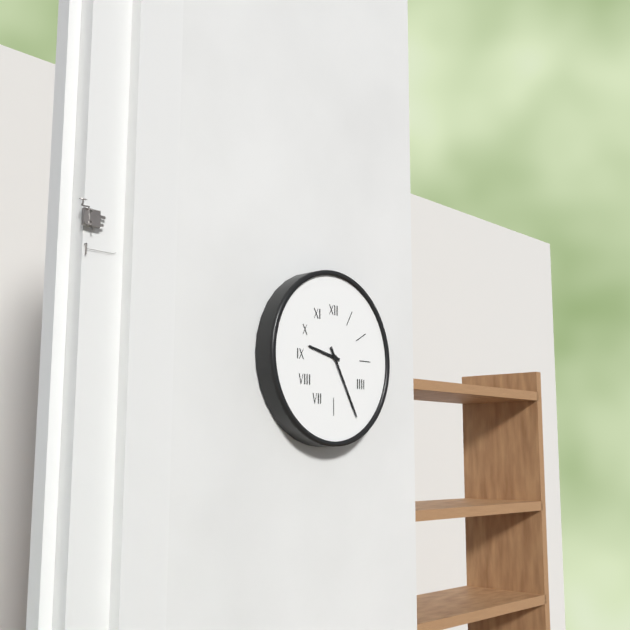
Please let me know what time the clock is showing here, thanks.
9:25
